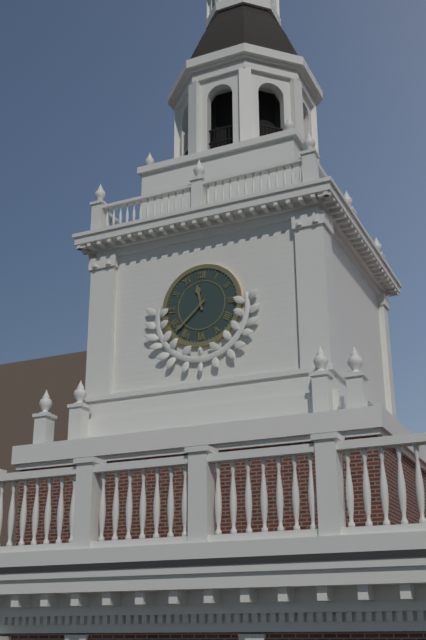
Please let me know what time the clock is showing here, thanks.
11:38
